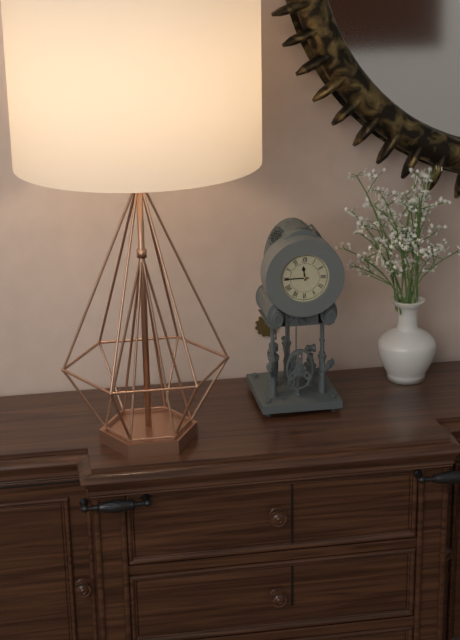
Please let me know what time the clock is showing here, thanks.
11:45
